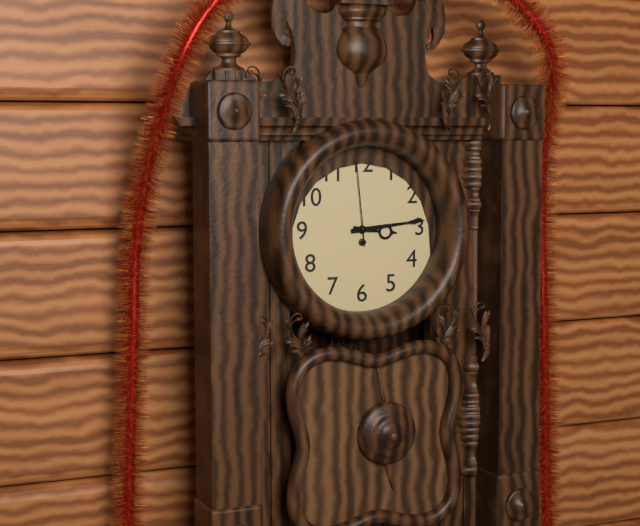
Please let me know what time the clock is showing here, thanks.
3:14:59
